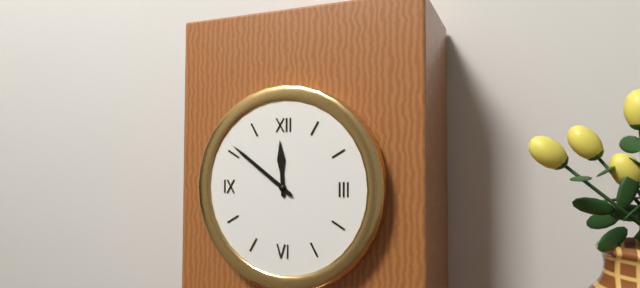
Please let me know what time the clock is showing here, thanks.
11:51
